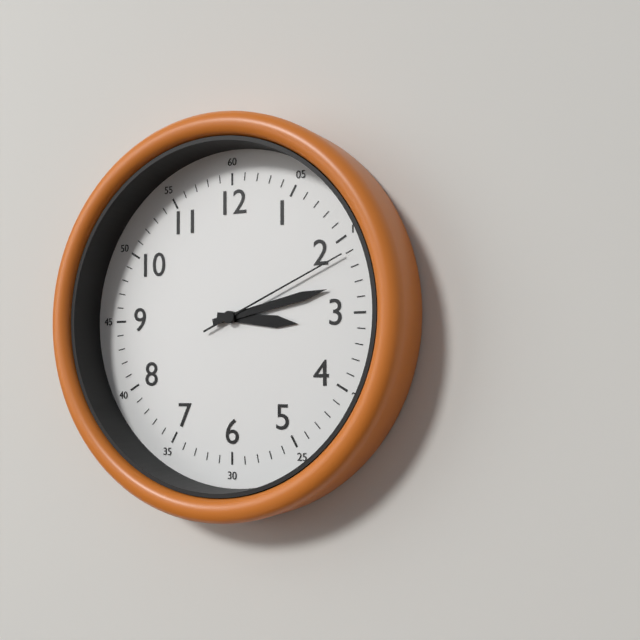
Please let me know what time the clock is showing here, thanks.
3:13:11
